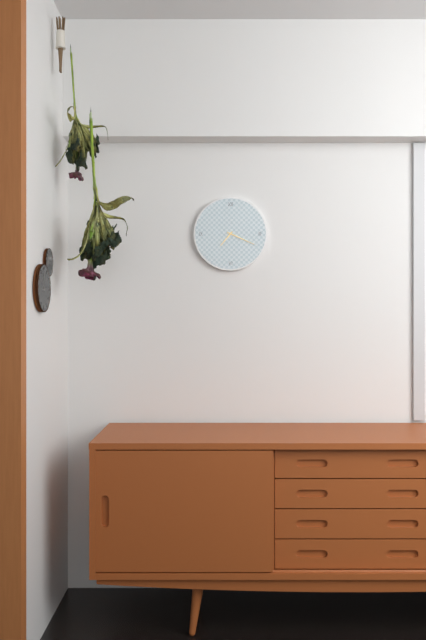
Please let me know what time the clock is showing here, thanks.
7:19
